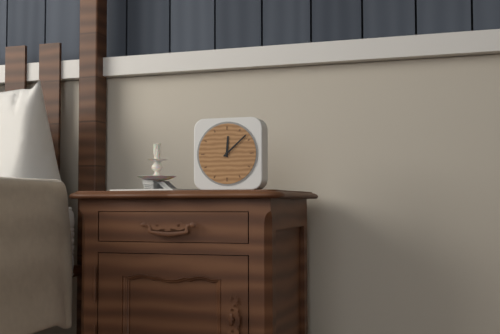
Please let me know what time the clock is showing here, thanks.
12:08
